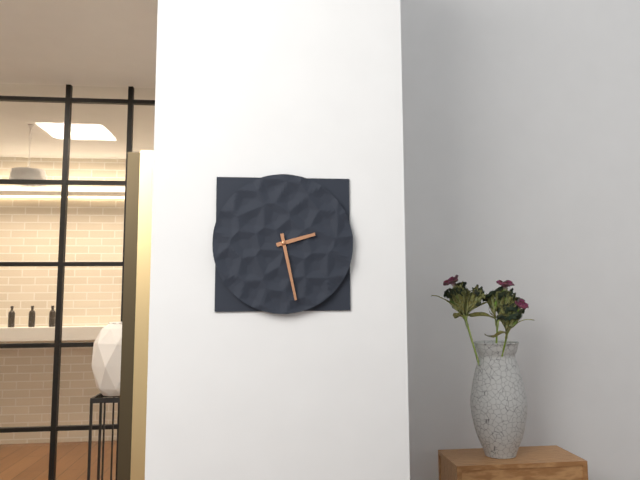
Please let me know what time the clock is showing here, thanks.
2:28
